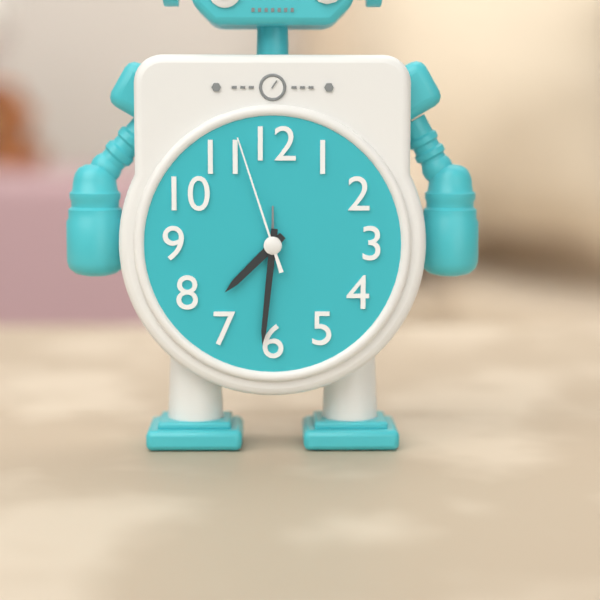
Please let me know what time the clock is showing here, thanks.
7:31:57
